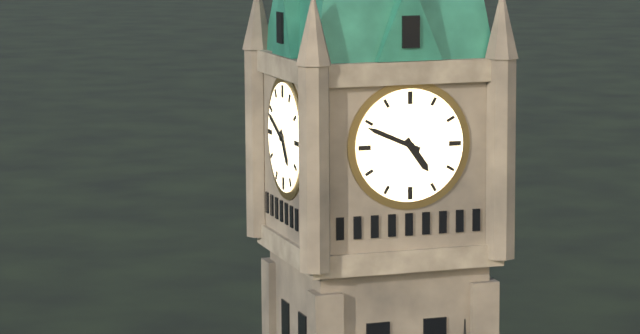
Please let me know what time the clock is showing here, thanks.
4:49
